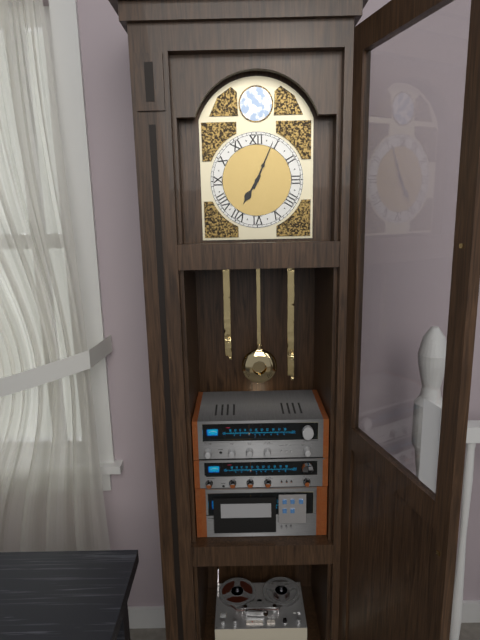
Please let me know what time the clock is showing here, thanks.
7:04
